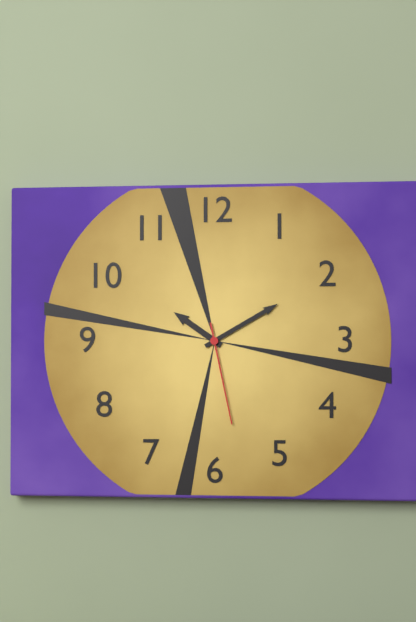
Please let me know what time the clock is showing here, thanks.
10:10:28
